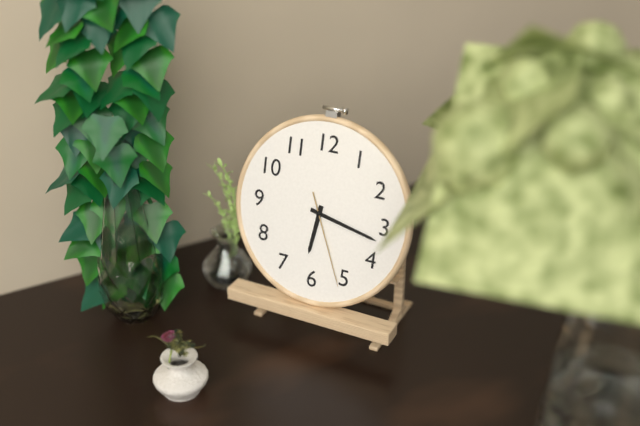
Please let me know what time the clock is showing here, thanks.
6:17:26
